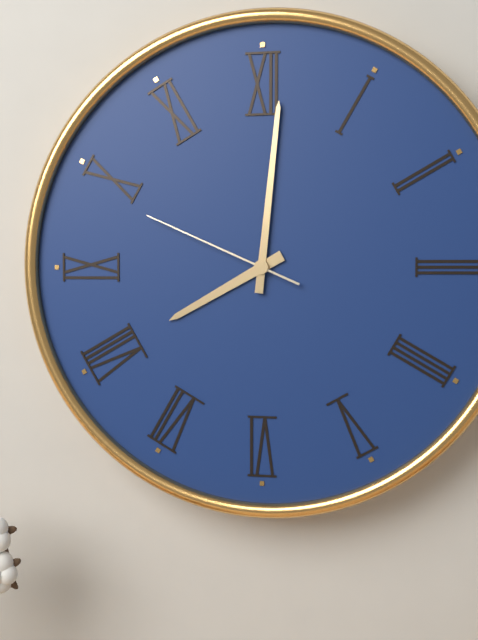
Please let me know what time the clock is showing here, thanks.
8:01:49
